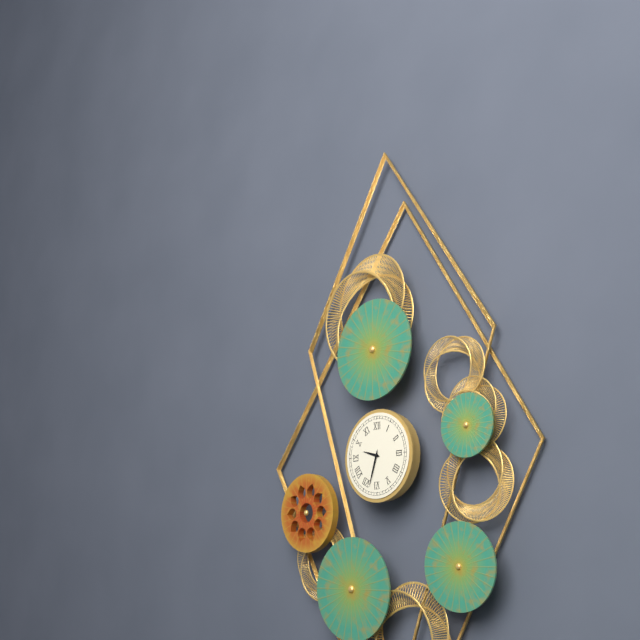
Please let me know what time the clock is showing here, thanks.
9:33
